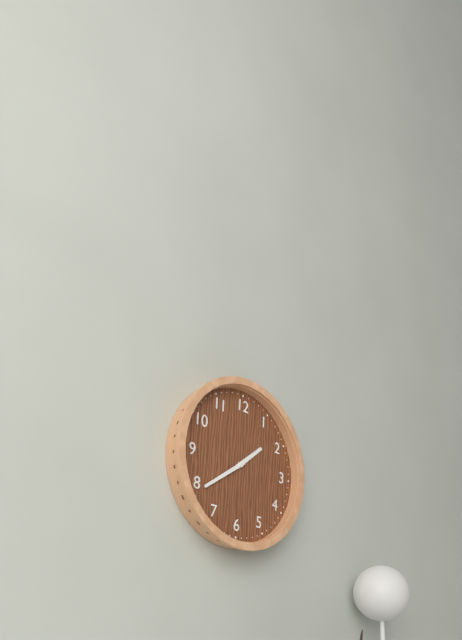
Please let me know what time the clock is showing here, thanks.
1:39
